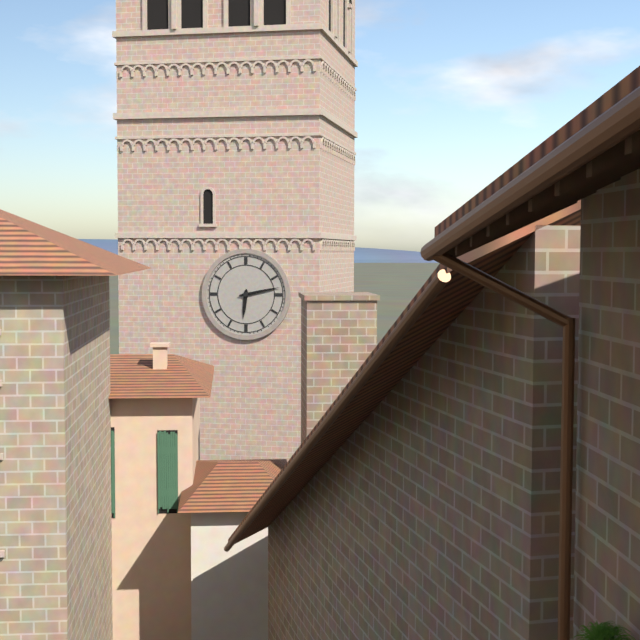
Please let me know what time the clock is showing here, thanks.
6:13
